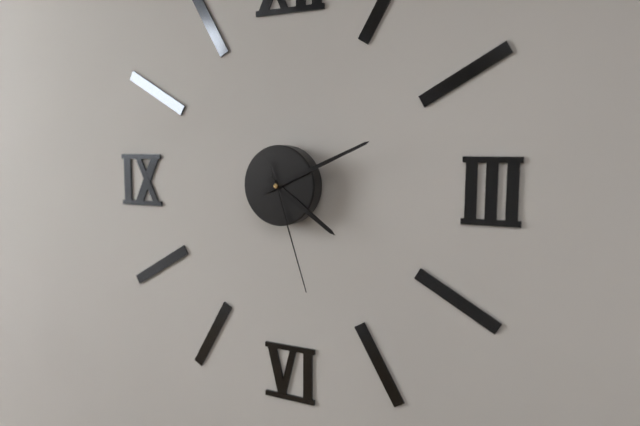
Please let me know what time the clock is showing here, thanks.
4:11:27
